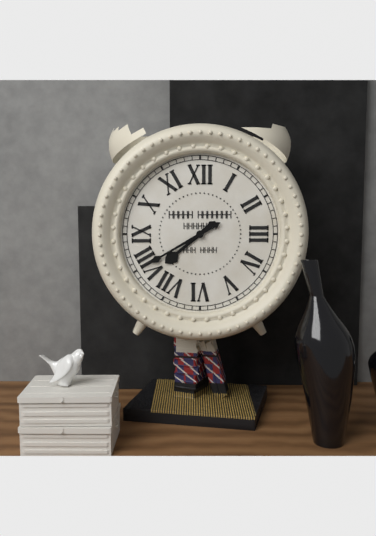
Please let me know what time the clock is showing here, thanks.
7:40
